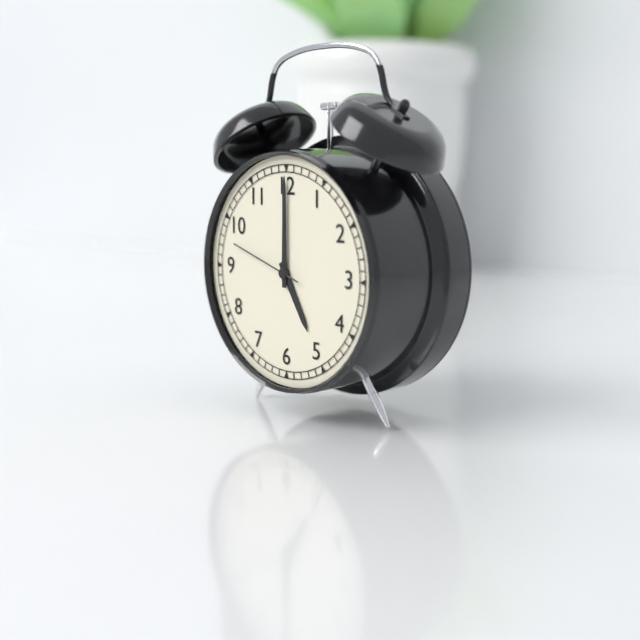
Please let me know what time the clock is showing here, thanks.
5:00:48
